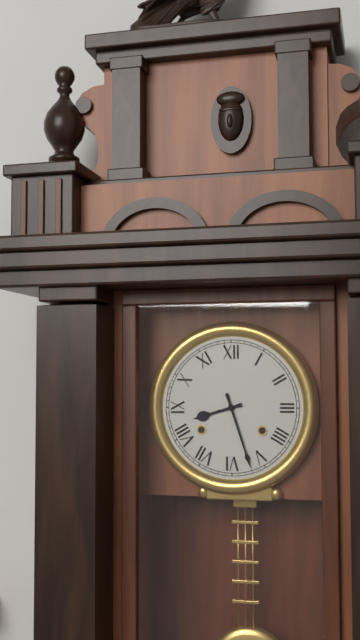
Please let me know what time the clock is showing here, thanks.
8:27
